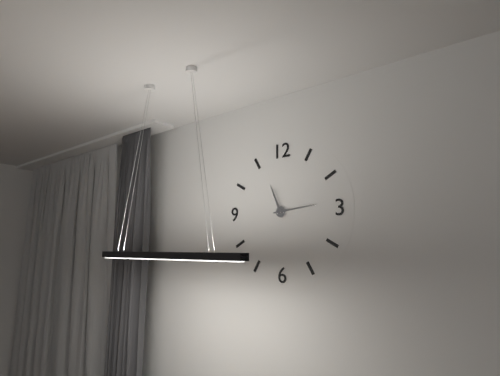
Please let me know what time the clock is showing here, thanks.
11:14
